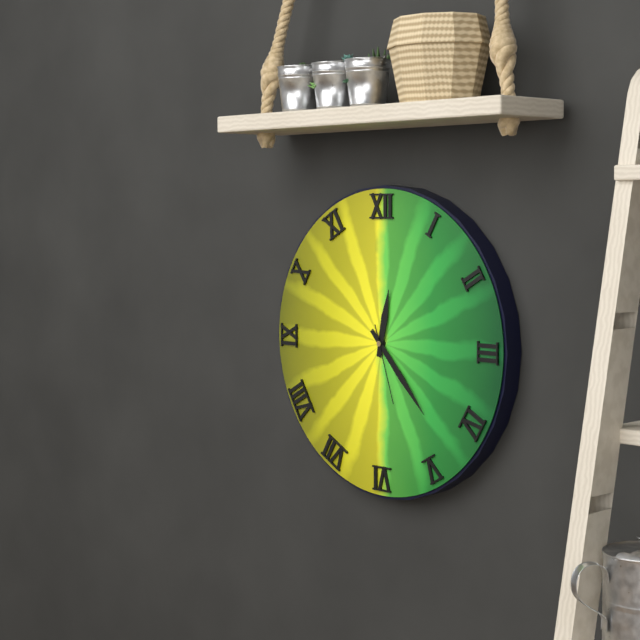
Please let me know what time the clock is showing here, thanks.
12:23:27
